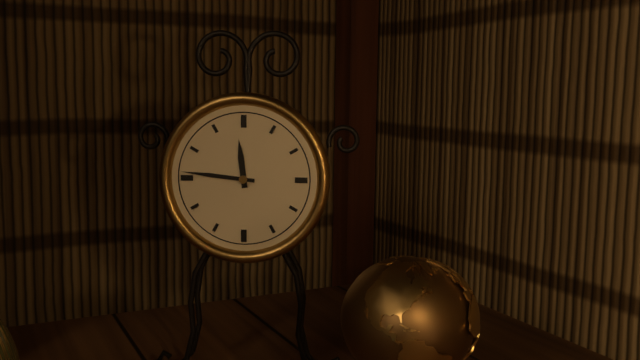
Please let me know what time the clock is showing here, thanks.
11:46
